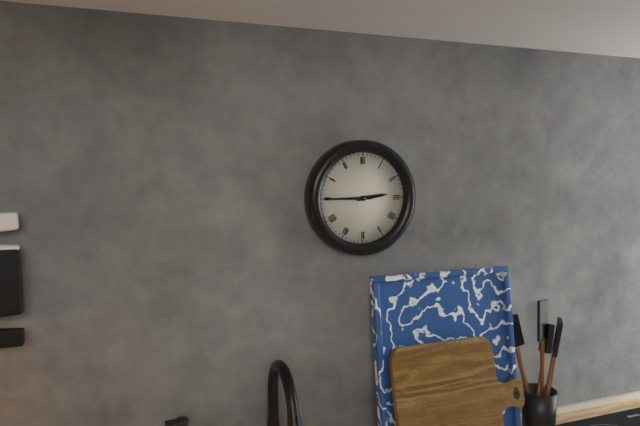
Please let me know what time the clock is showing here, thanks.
2:45
